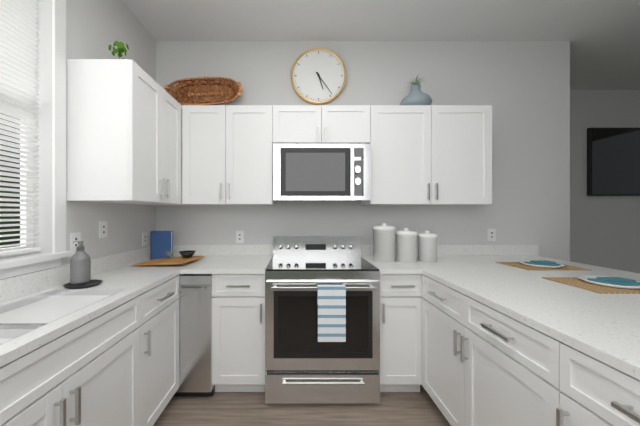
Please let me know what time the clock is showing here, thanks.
5:24
